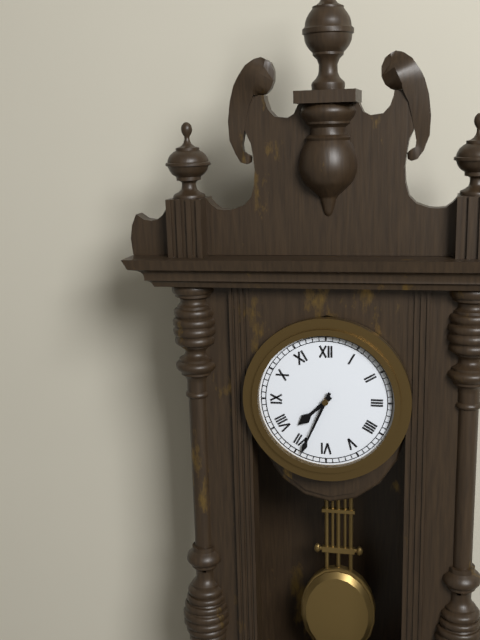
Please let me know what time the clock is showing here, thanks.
7:34
